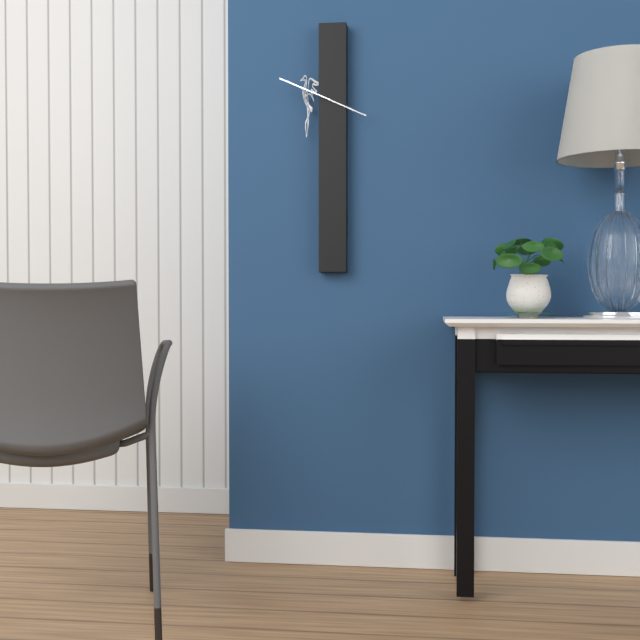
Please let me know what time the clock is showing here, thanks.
3:49
